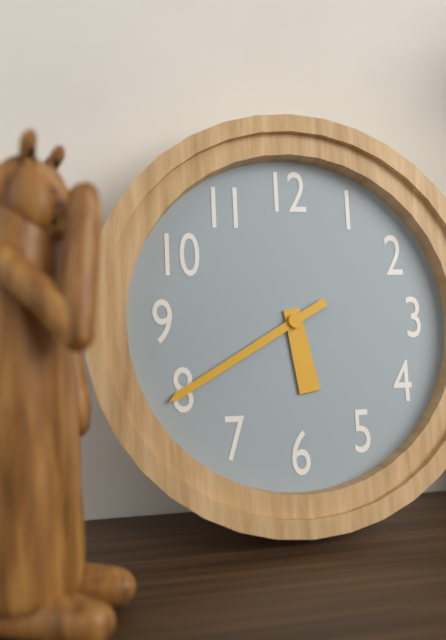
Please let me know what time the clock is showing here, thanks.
5:40
